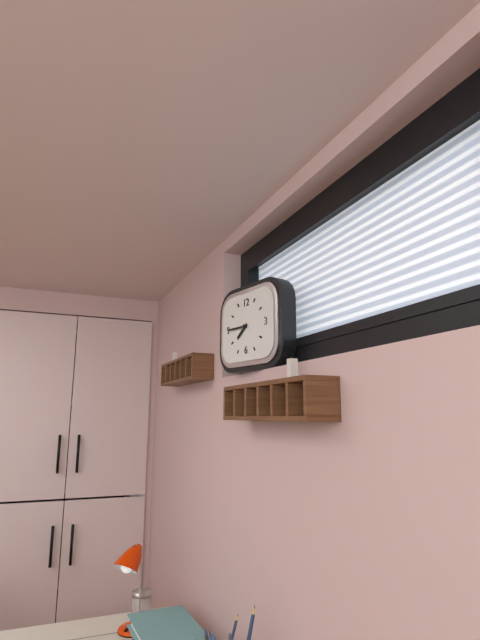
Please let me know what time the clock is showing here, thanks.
7:45
